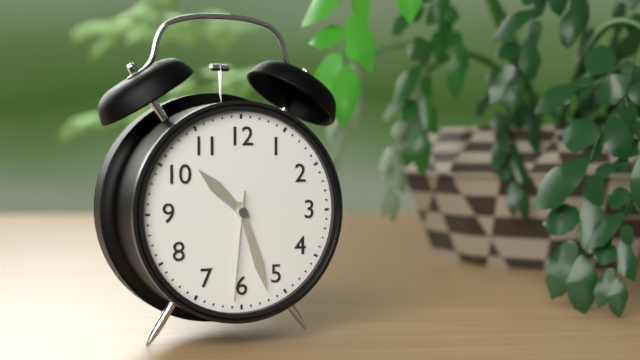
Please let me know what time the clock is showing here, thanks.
10:27:31
